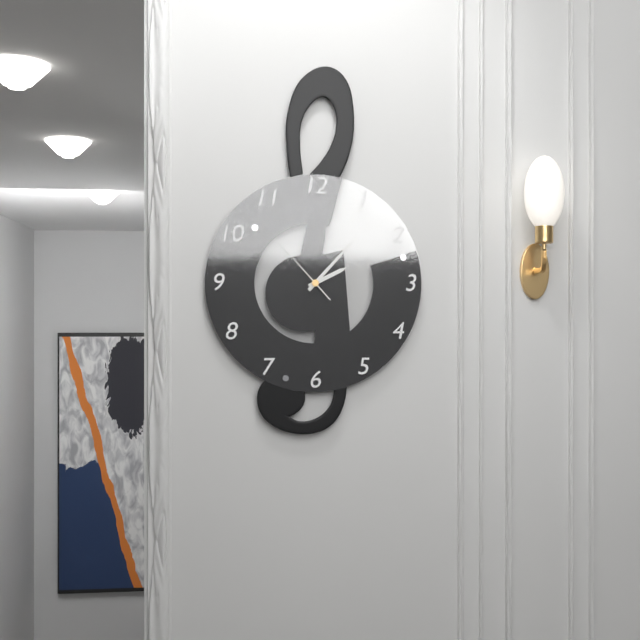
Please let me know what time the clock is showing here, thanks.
2:07:53
